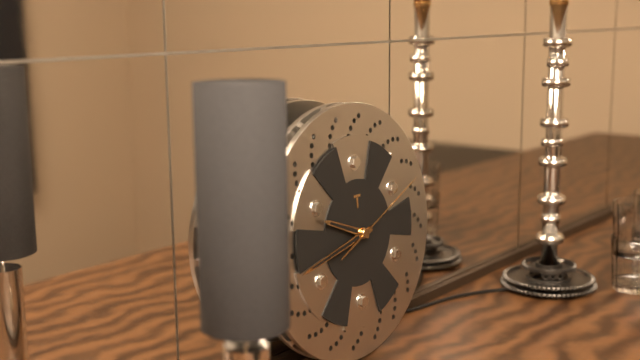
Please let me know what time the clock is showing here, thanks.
9:43:11
